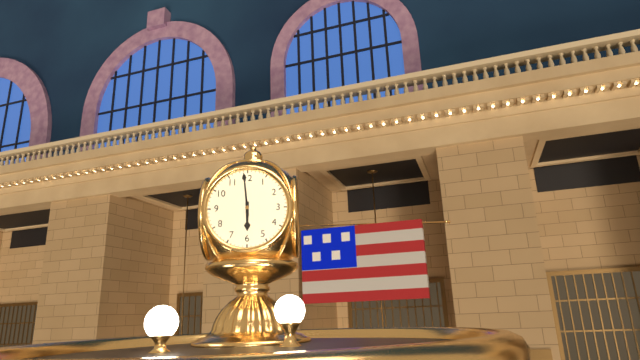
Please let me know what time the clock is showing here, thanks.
5:59
